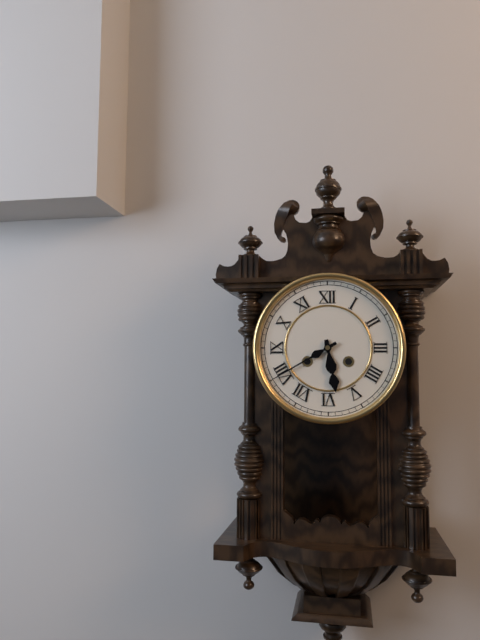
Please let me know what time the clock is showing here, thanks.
5:40
